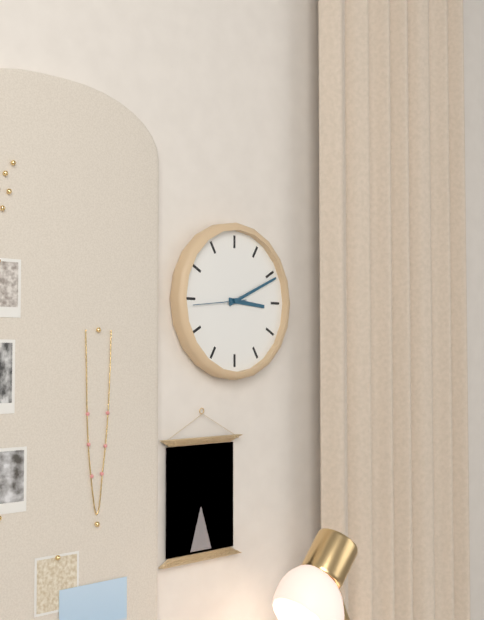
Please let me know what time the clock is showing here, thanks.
3:11
